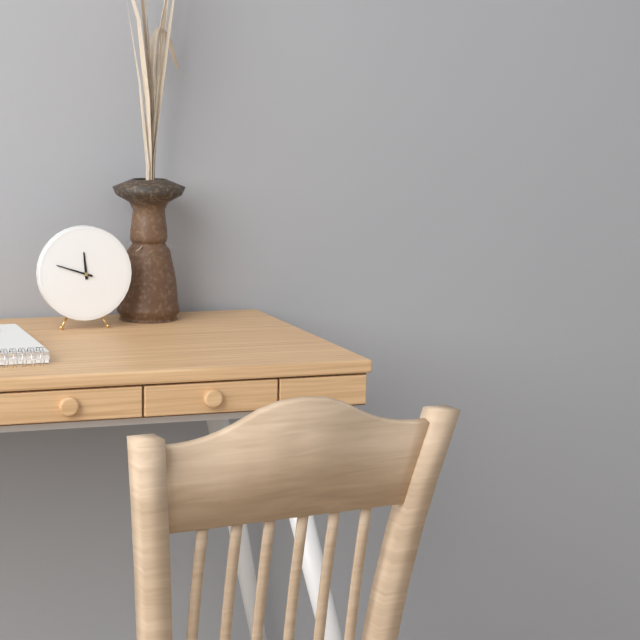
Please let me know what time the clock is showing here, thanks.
11:48
